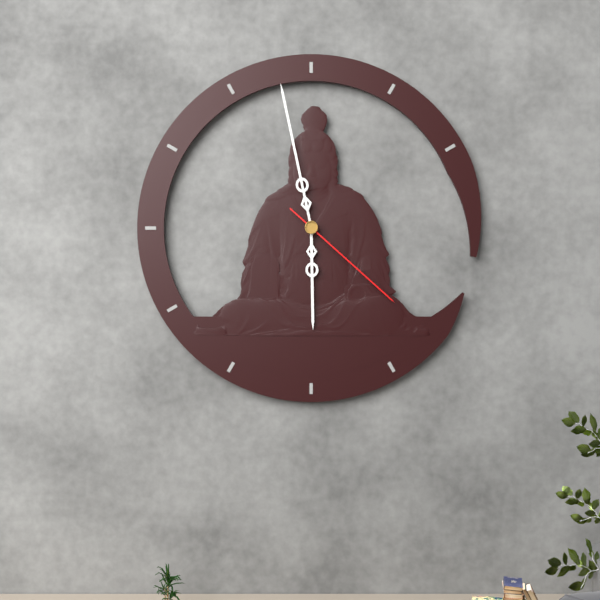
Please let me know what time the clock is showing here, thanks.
5:58:22
